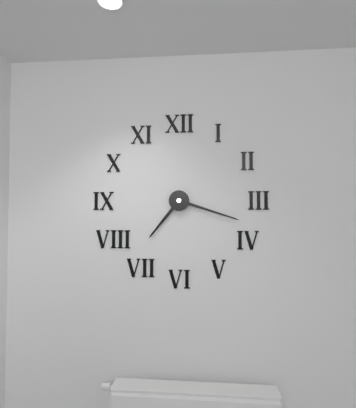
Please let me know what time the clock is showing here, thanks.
7:18
